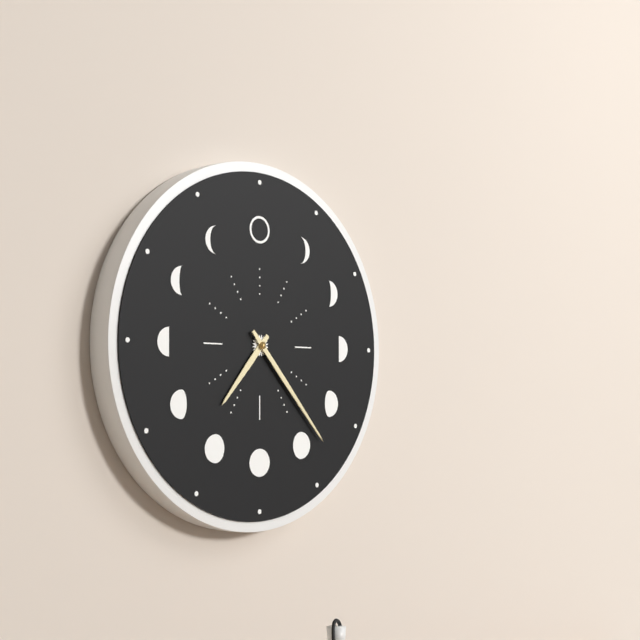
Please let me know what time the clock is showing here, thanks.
7:23
